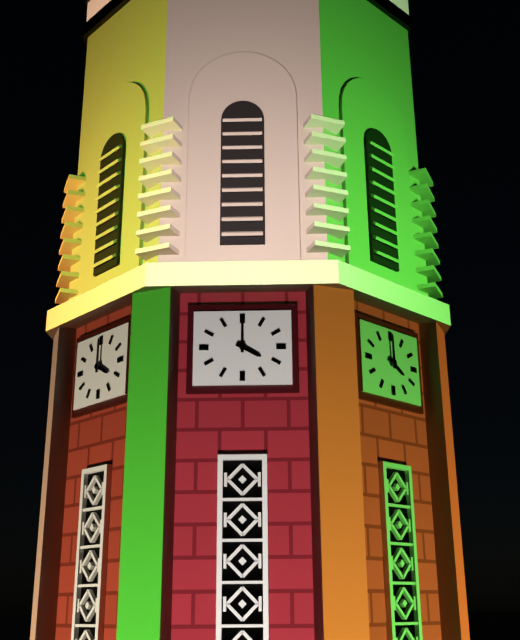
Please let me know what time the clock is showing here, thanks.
4:00
